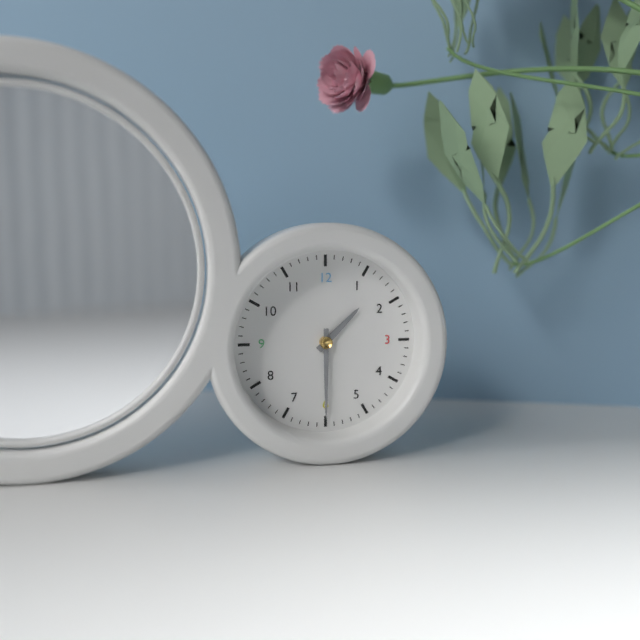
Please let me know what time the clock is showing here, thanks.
1:30
